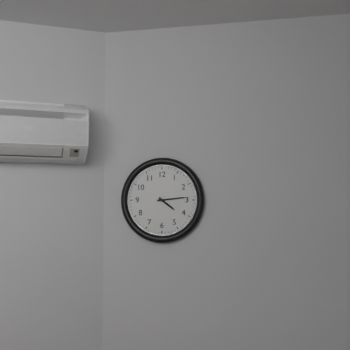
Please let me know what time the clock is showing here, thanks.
4:14
